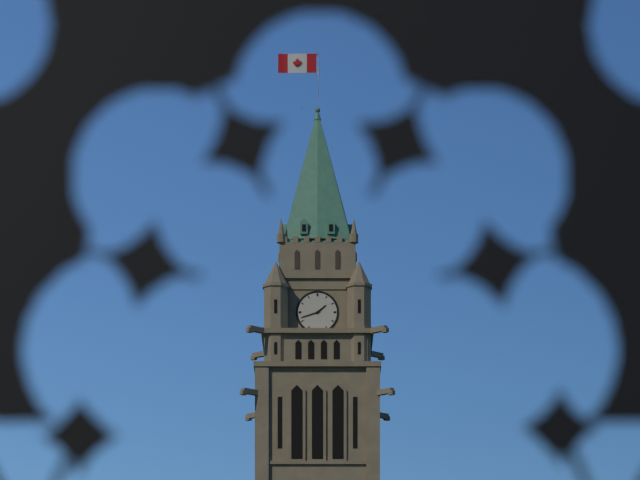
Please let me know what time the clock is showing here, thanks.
1:42
